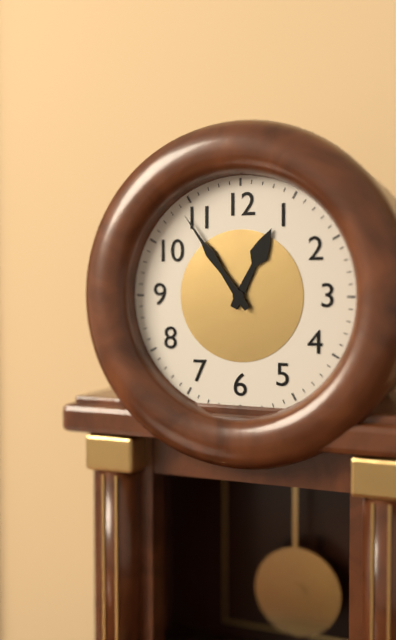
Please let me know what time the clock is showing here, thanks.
12:54
